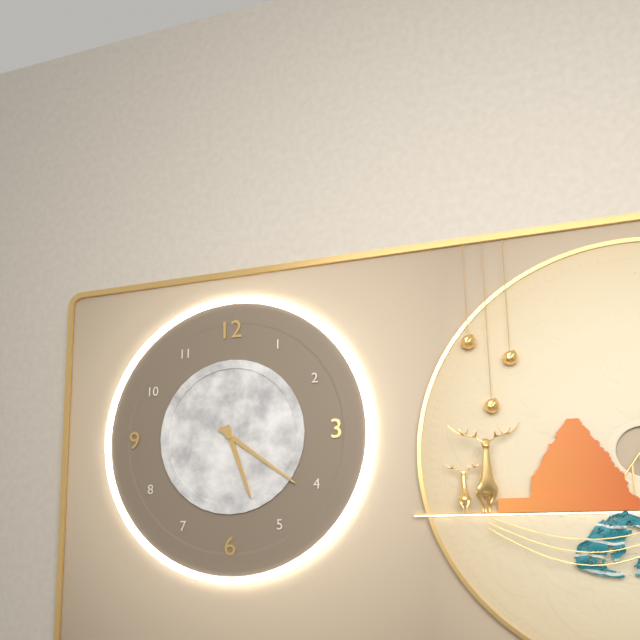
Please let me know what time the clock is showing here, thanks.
5:21
